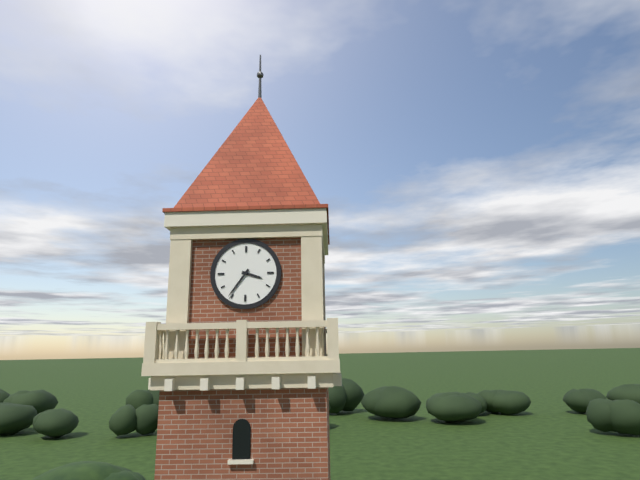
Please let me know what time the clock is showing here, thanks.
3:36
